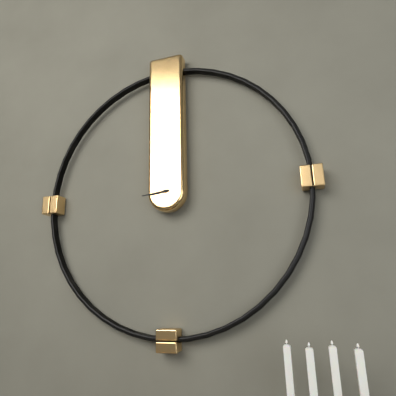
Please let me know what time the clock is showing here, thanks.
8:44
